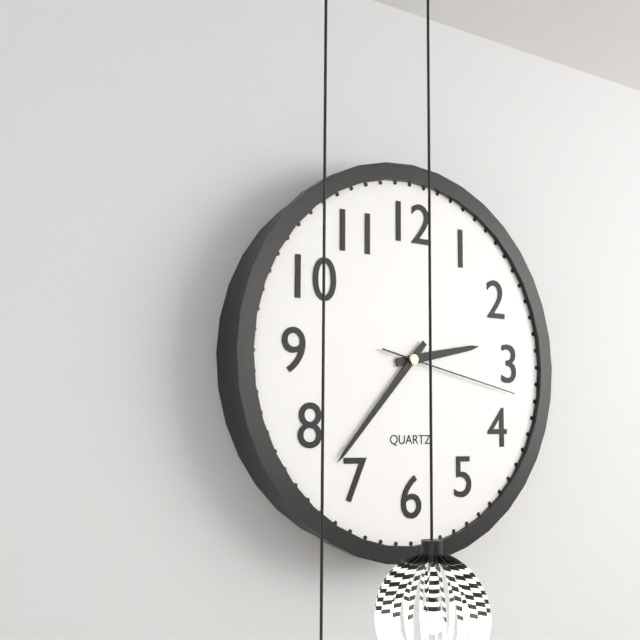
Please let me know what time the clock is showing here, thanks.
2:37:17
